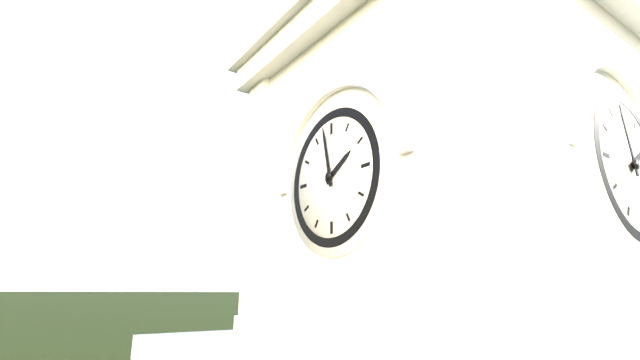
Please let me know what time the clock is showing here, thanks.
1:58
